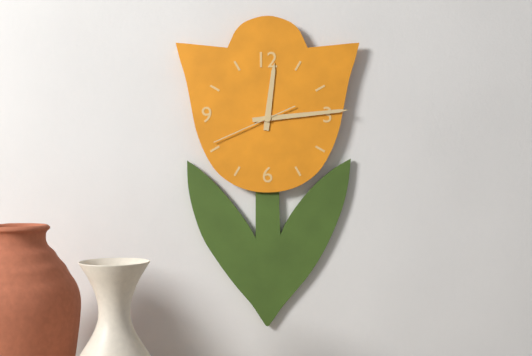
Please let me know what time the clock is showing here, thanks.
12:14:41
